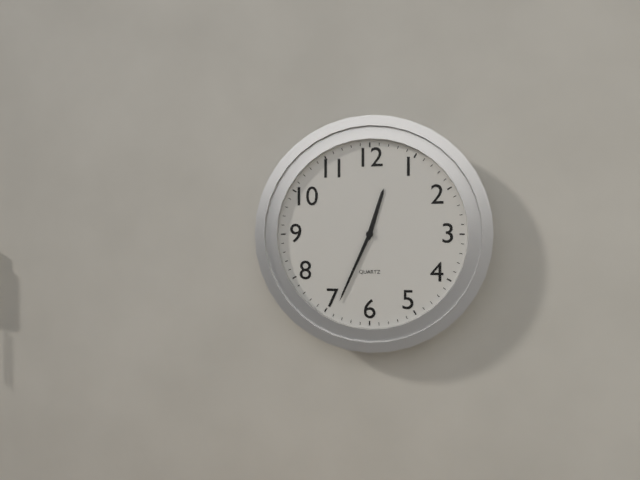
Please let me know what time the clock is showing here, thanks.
12:34
